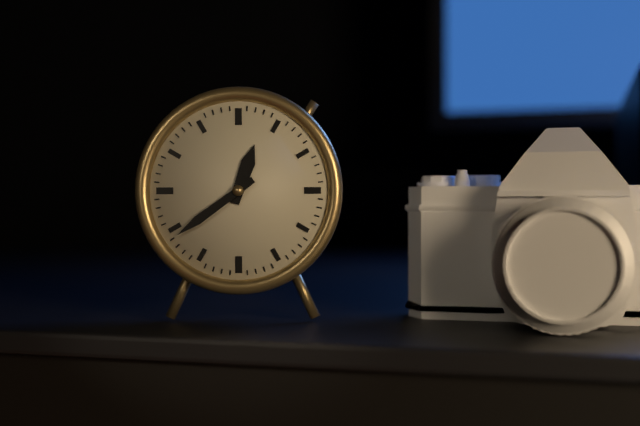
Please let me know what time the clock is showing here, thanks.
12:39
